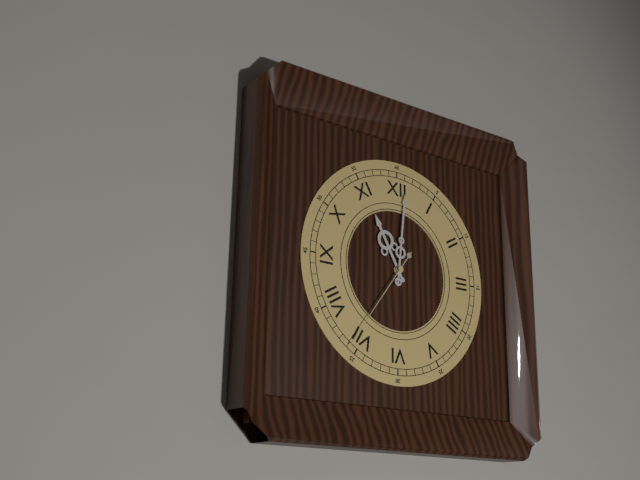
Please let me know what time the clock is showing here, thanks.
11:01:36
